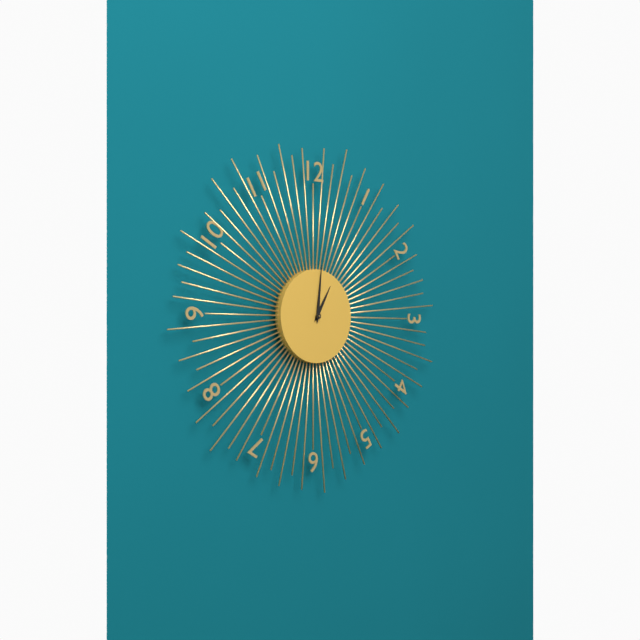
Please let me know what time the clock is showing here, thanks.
1:01
